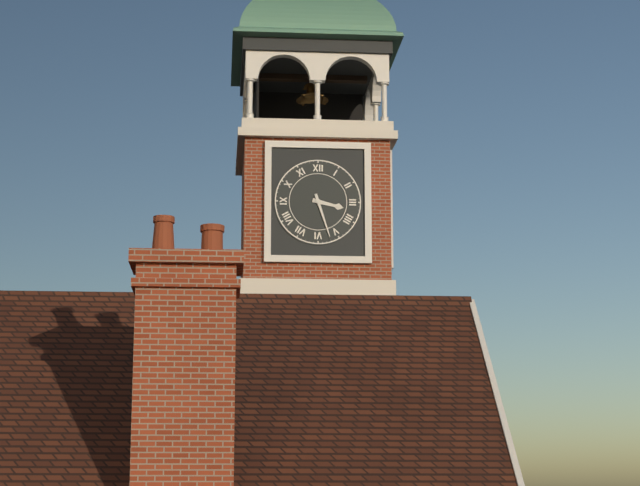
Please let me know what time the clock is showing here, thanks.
3:27
